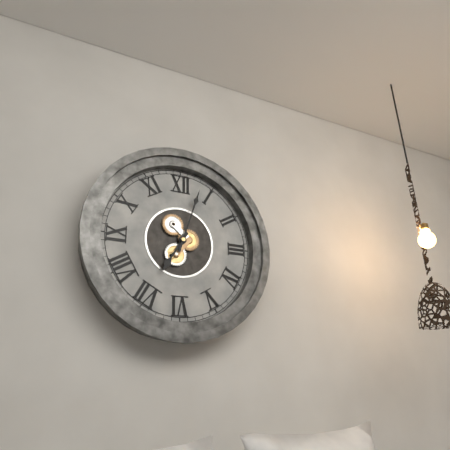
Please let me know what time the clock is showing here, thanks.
7:03
